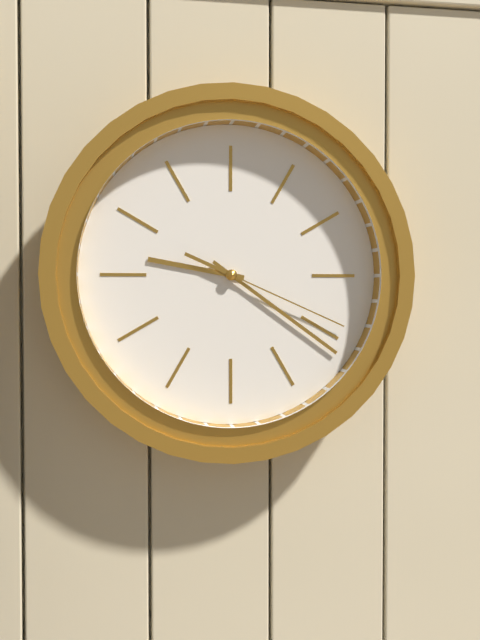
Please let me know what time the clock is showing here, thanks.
9:21:19
